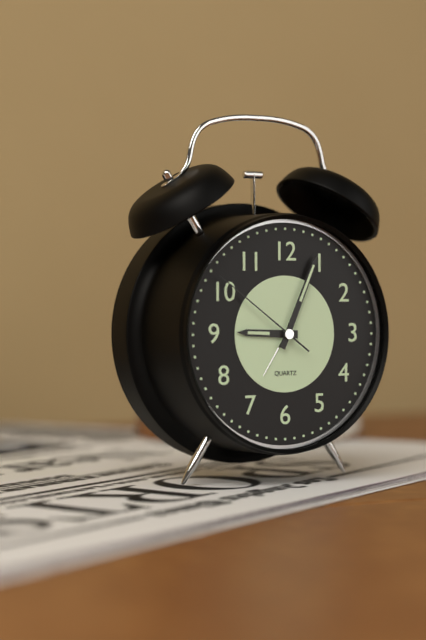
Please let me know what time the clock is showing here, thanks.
9:04:51
